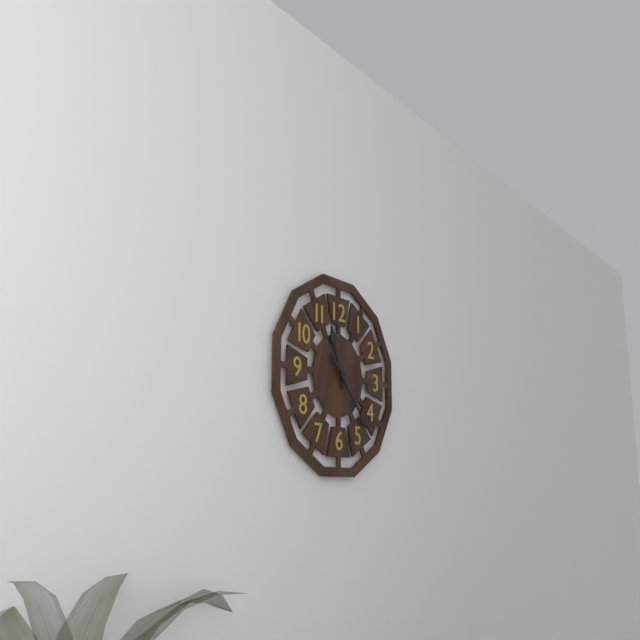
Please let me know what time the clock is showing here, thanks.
11:23
